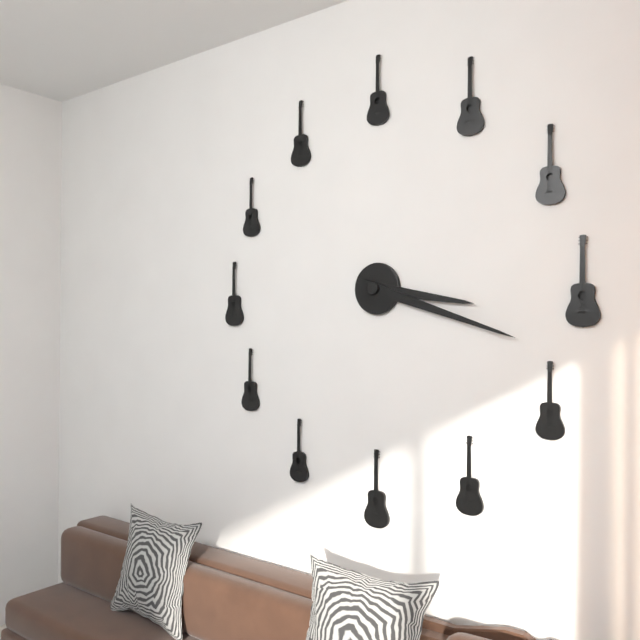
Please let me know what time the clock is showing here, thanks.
3:18
